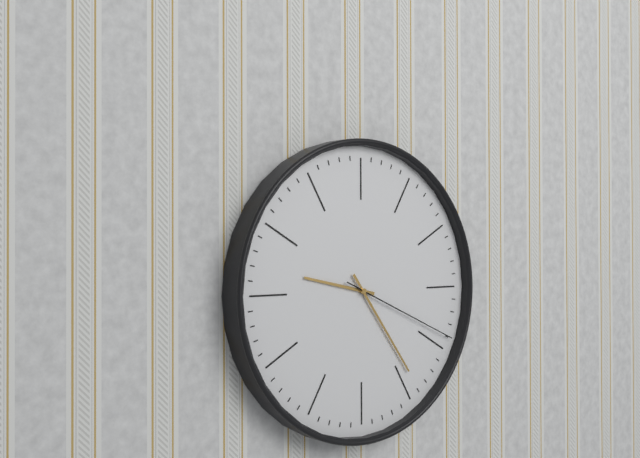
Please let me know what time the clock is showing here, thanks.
9:24:19
